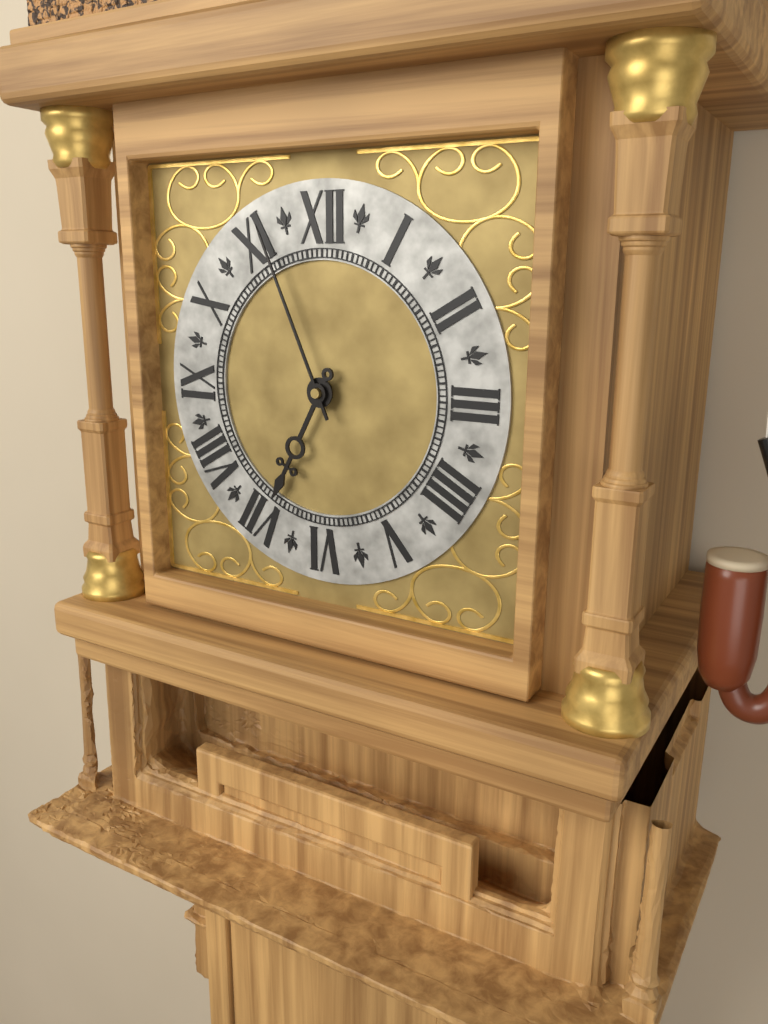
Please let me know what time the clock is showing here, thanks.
6:56
